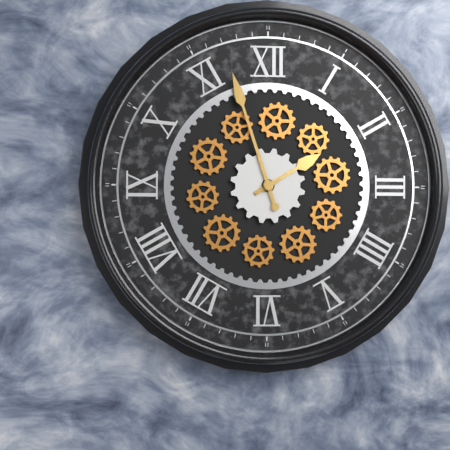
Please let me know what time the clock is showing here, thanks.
1:57
